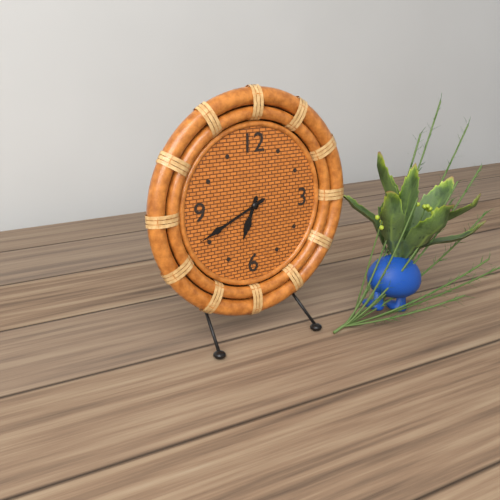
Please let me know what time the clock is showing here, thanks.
6:41
